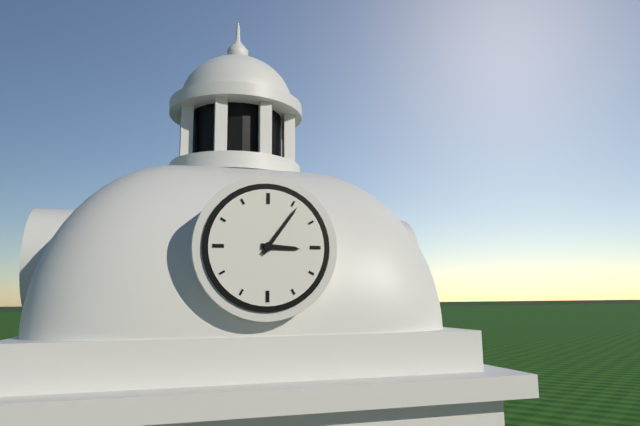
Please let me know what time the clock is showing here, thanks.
3:06
